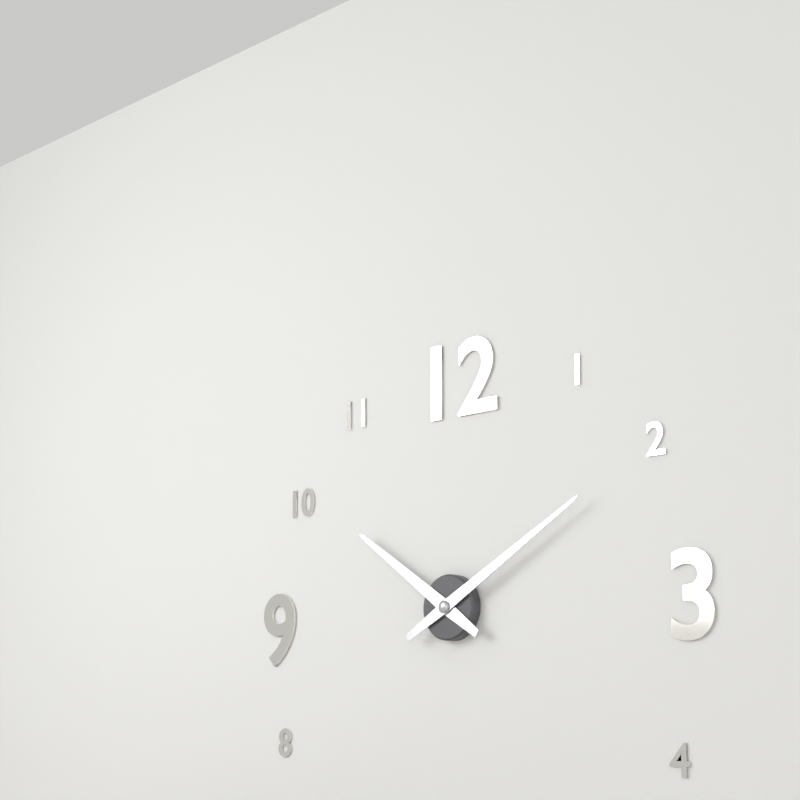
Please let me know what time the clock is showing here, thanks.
10:10
